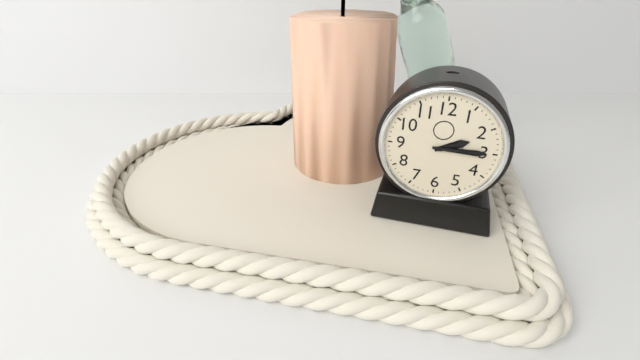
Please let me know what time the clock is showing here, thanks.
2:15
